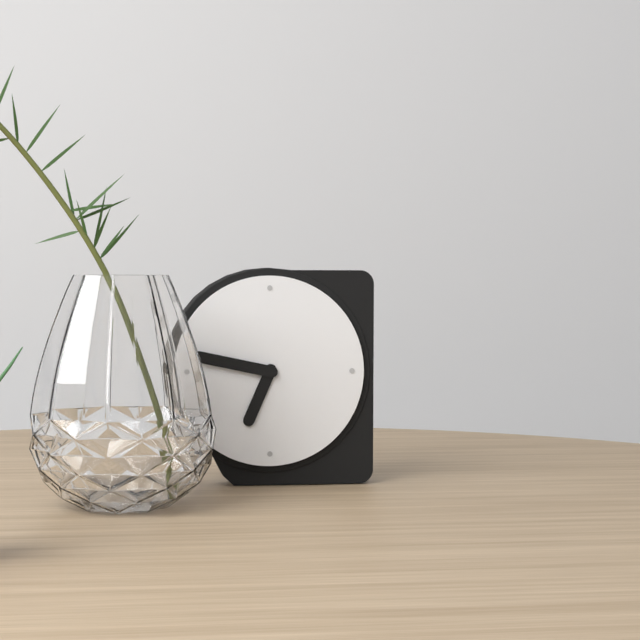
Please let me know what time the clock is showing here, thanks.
6:47
